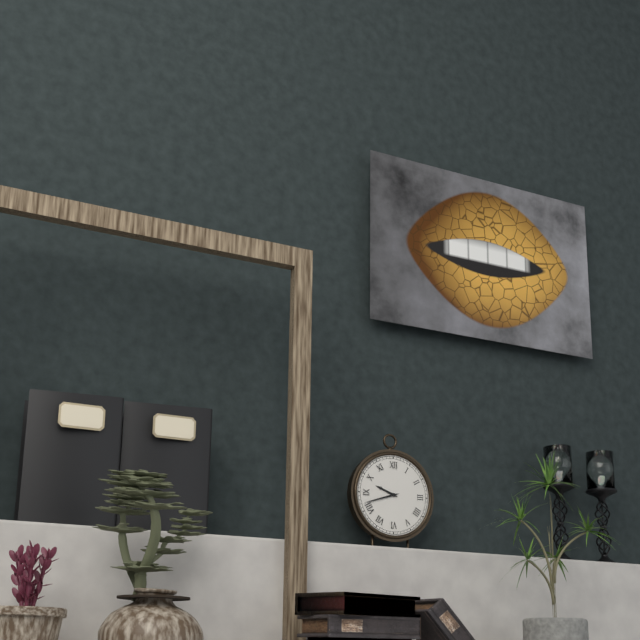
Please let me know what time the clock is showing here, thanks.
9:42
